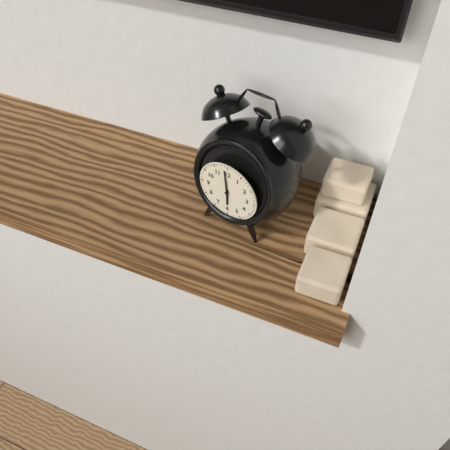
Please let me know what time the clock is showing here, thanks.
5:59
